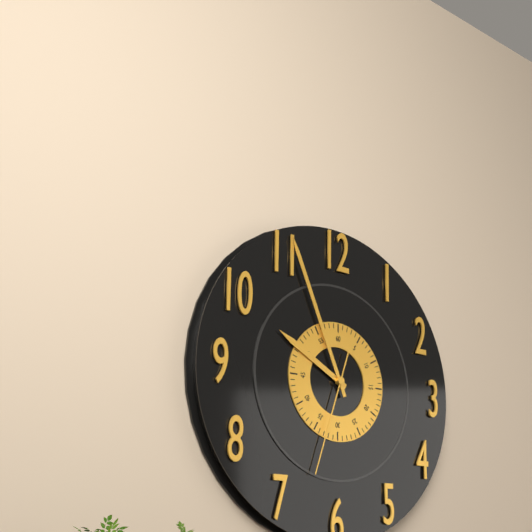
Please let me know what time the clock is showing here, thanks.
9:56:33
